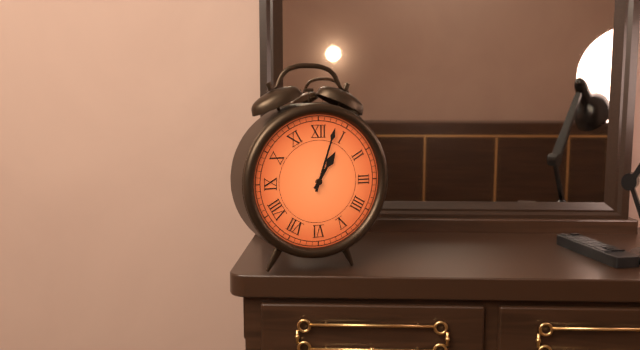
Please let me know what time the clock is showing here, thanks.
1:03
